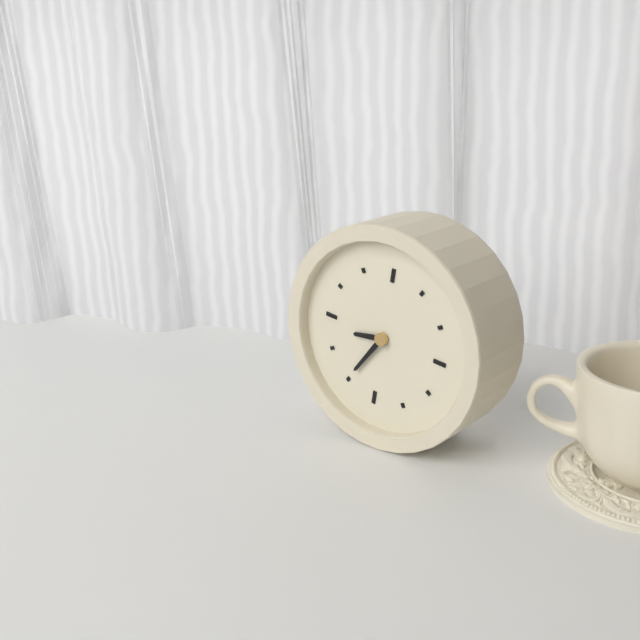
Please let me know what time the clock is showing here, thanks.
8:35
